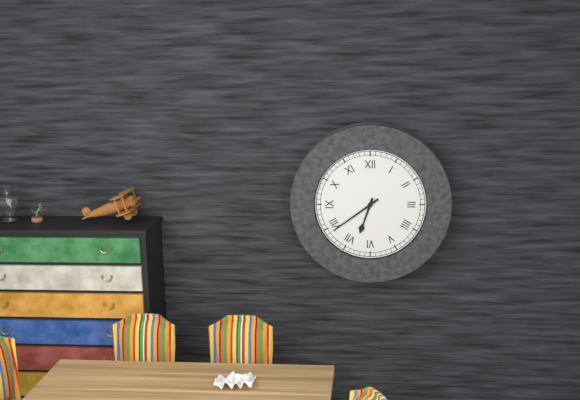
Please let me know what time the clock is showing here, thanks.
6:39
